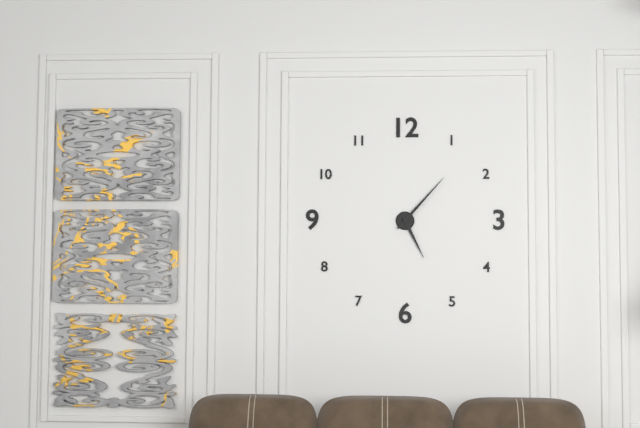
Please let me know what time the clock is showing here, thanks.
5:07
